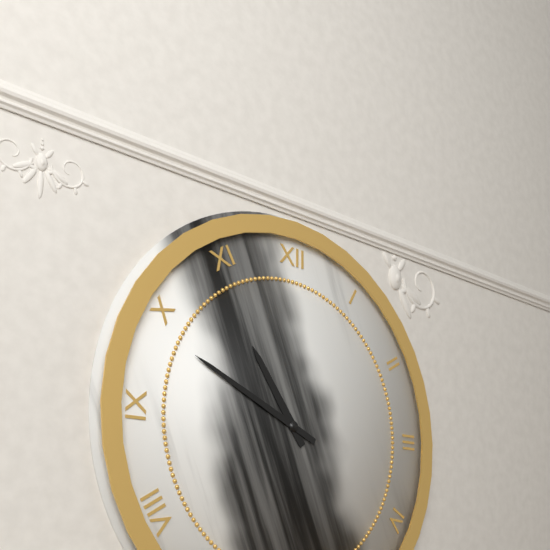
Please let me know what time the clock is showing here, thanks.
10:49
